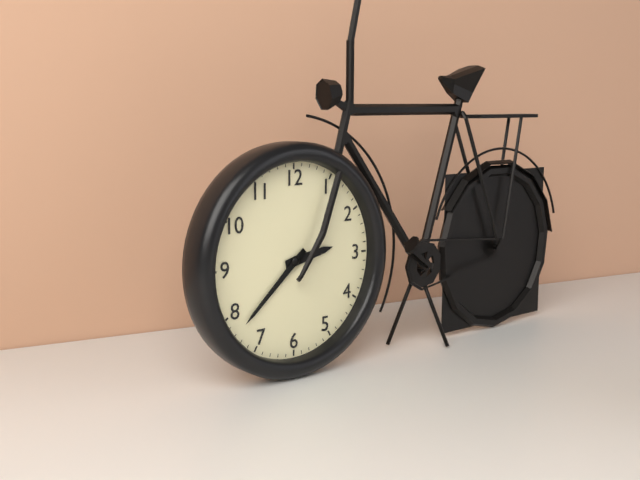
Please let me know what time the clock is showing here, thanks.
2:38
